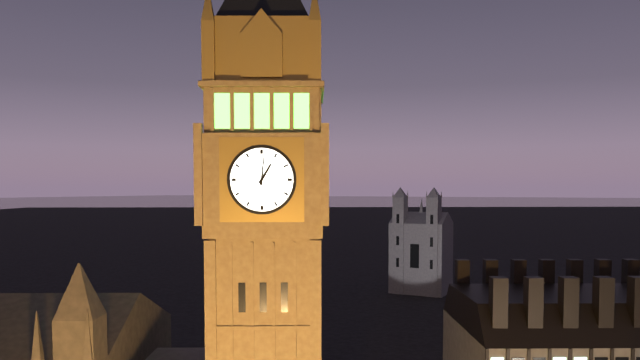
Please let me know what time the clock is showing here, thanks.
1:01
